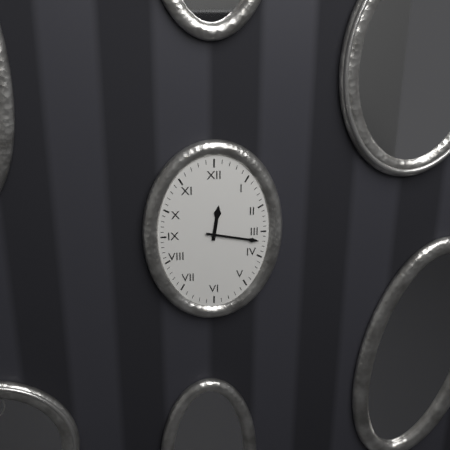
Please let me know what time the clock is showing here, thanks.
12:17
